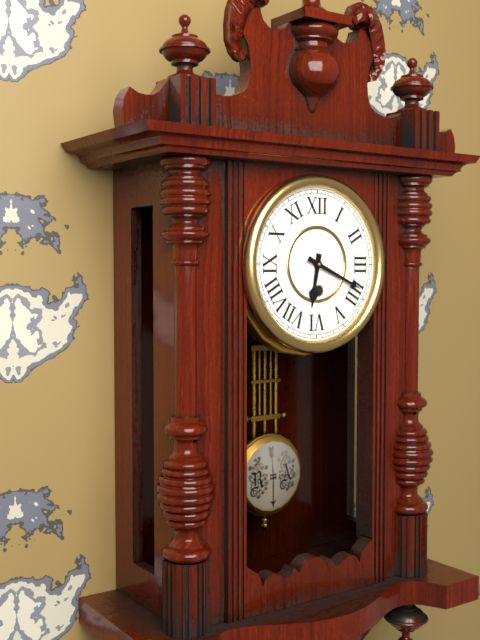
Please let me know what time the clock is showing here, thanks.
6:19
